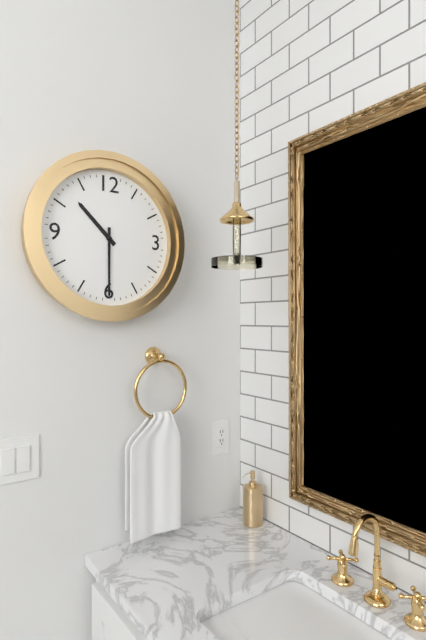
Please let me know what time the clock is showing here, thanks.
10:30
